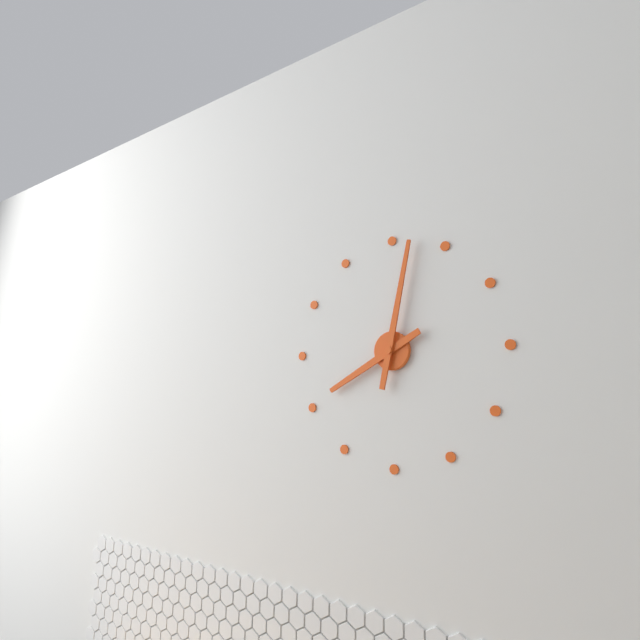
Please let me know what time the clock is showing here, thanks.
8:02
